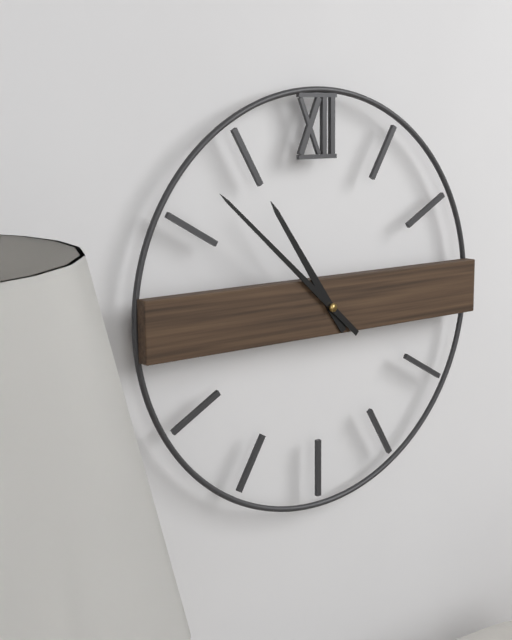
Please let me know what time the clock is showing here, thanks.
10:52
